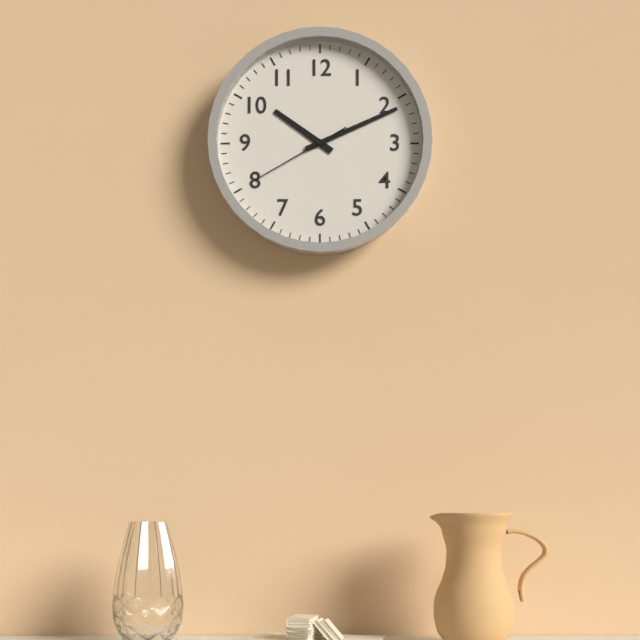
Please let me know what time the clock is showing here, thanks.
10:11:40
